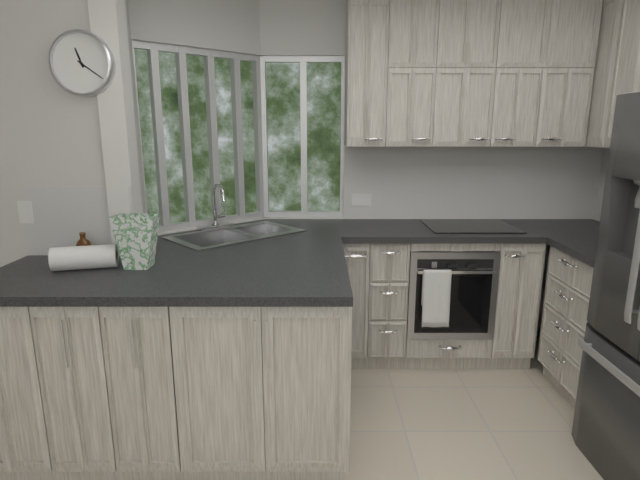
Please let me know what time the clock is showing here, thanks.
11:21
